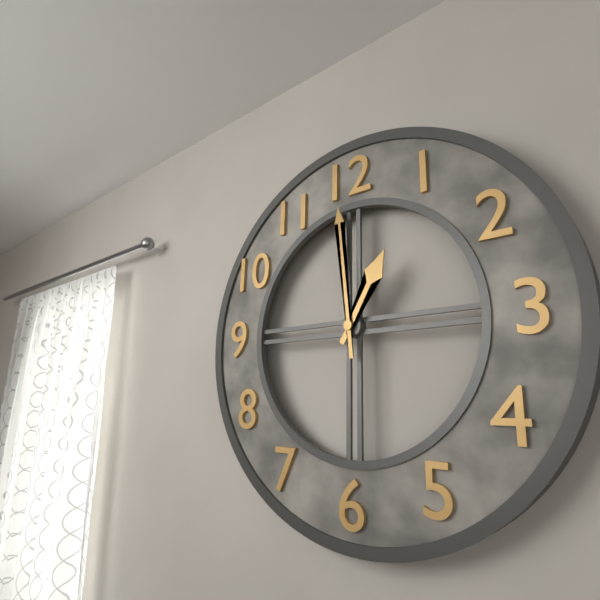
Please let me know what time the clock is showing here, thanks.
12:59
